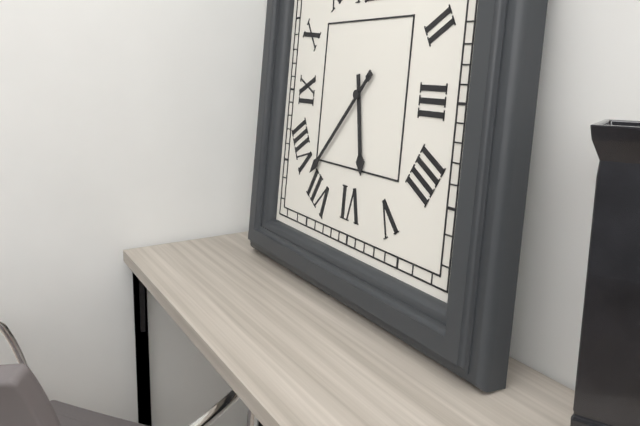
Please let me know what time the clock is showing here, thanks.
5:37
